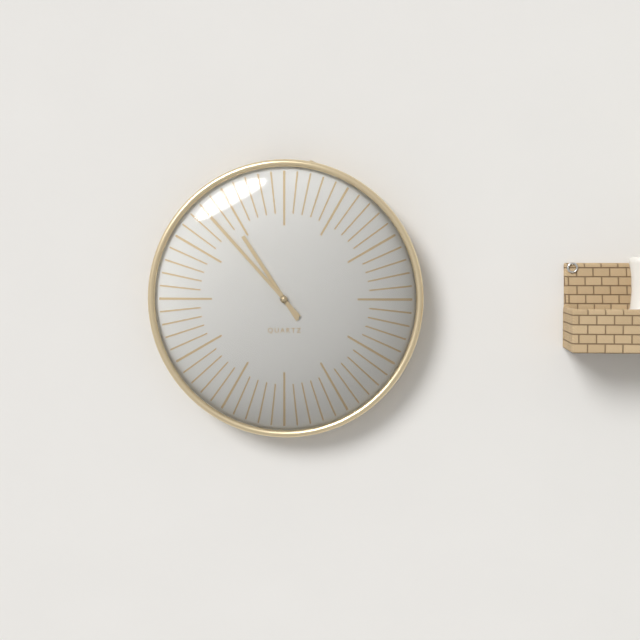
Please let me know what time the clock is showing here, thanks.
10:53
